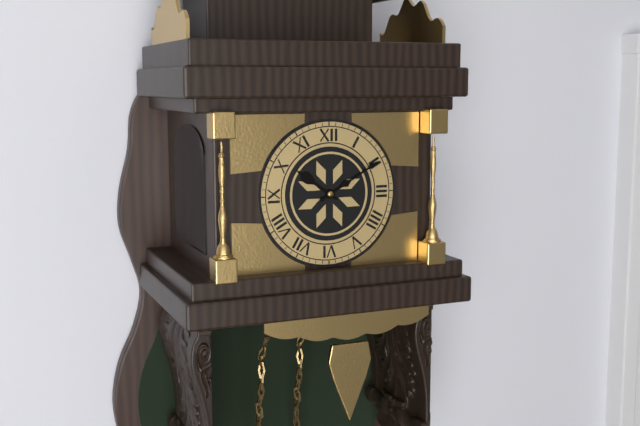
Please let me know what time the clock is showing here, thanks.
10:10
